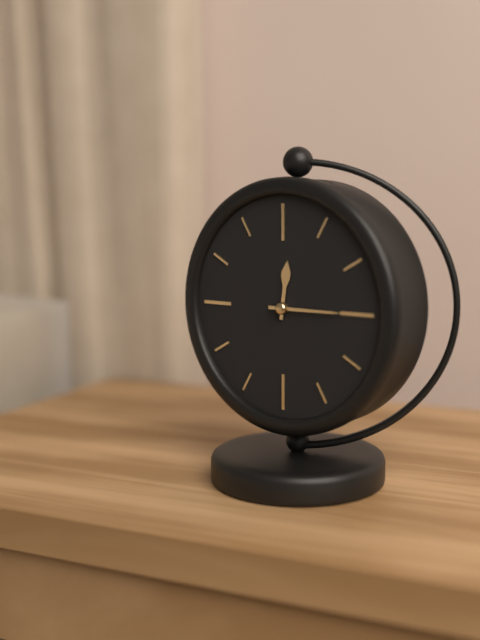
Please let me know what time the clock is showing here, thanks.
12:15
